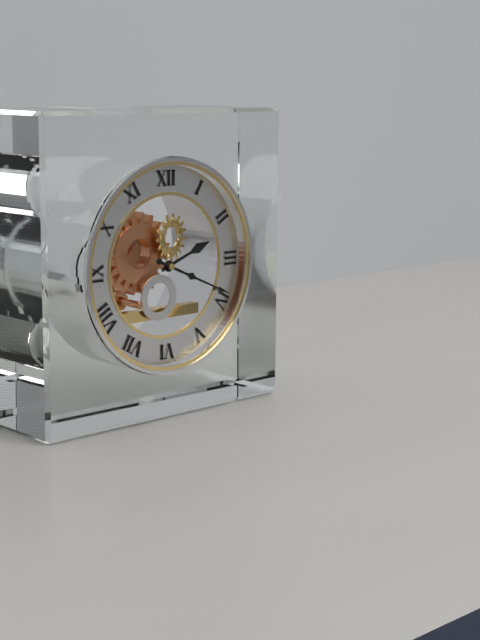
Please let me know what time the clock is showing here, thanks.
2:19
